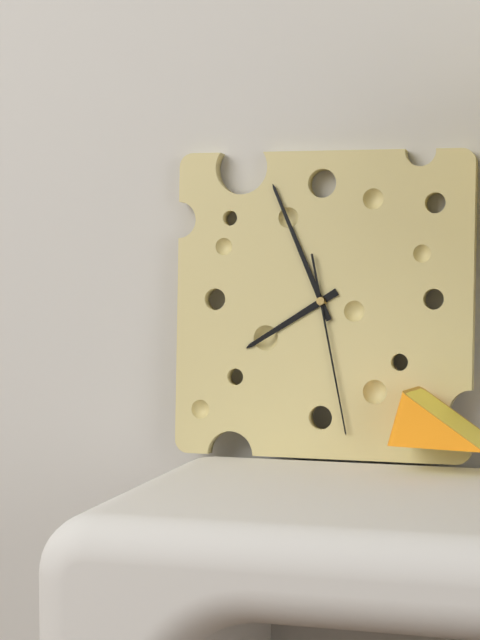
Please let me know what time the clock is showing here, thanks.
7:56:28
